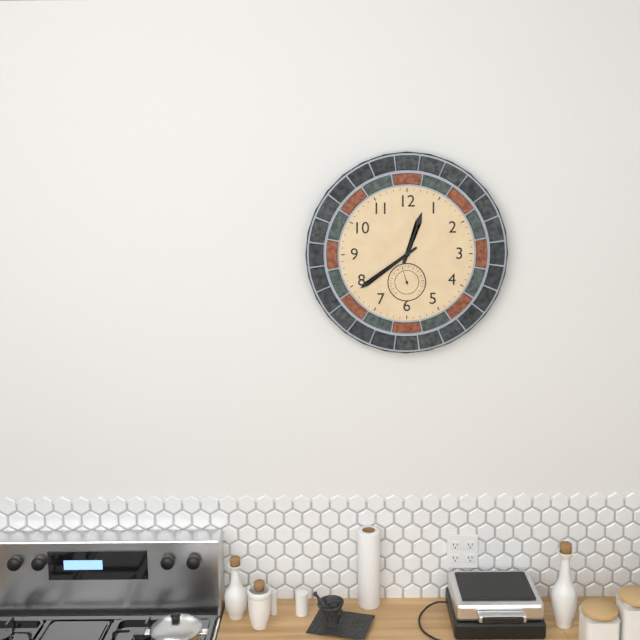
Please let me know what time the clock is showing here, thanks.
12:39
